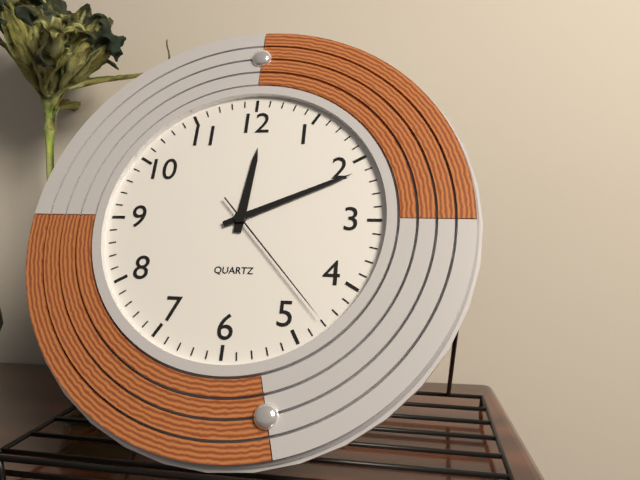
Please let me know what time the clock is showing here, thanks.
12:11:23
